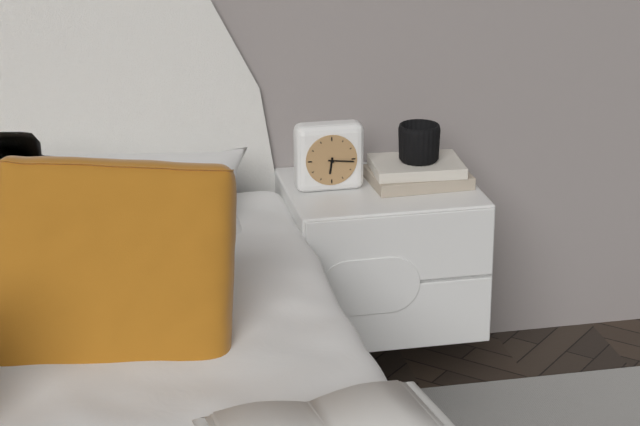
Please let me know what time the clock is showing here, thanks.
6:16
